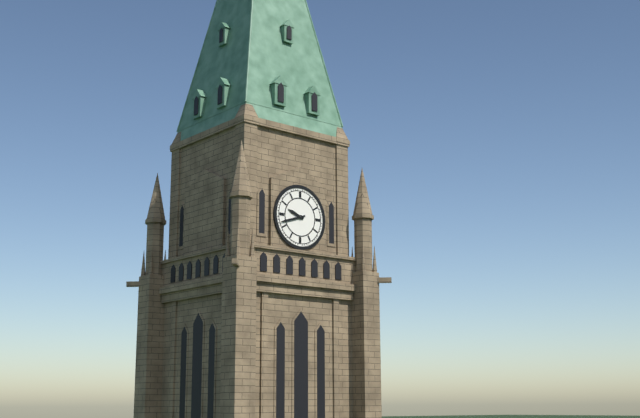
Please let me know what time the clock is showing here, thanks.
9:42
